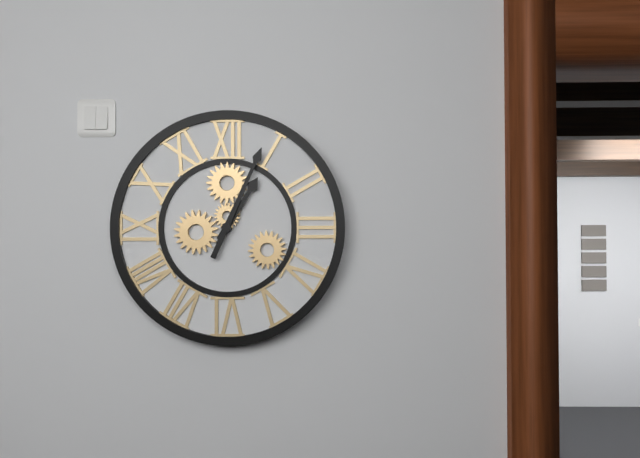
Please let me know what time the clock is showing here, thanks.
1:04
